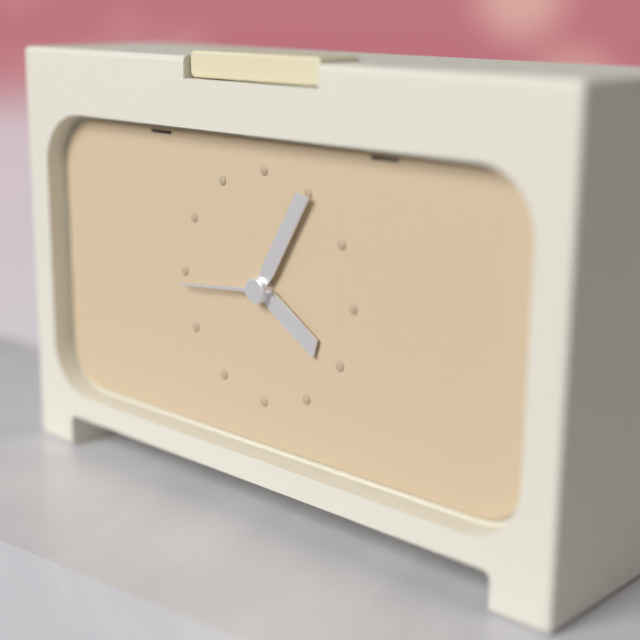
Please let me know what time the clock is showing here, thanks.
4:05:44
